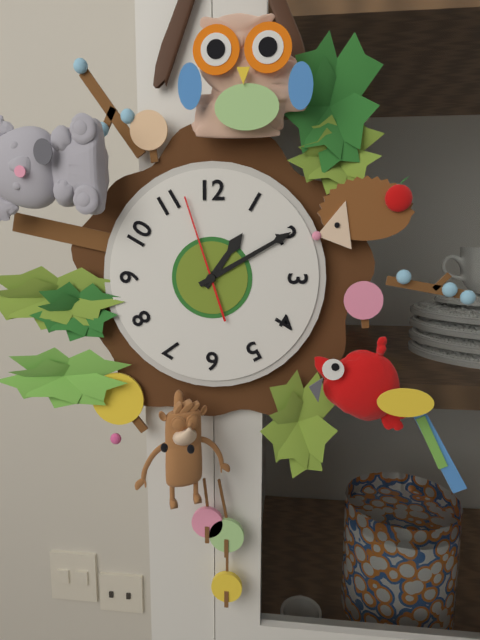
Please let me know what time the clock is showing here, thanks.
1:10:57
